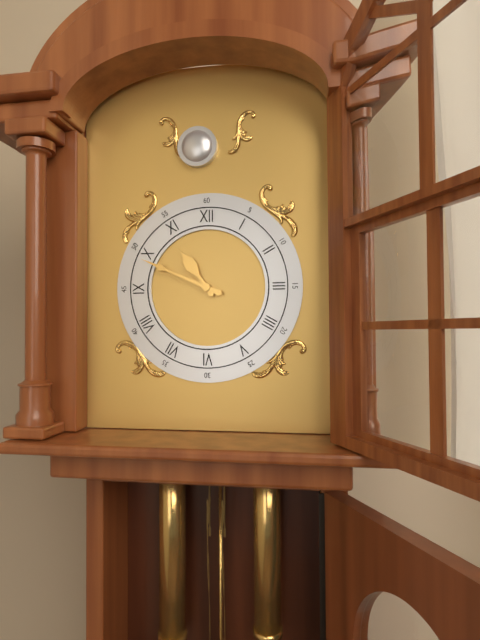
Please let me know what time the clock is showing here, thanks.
10:49
